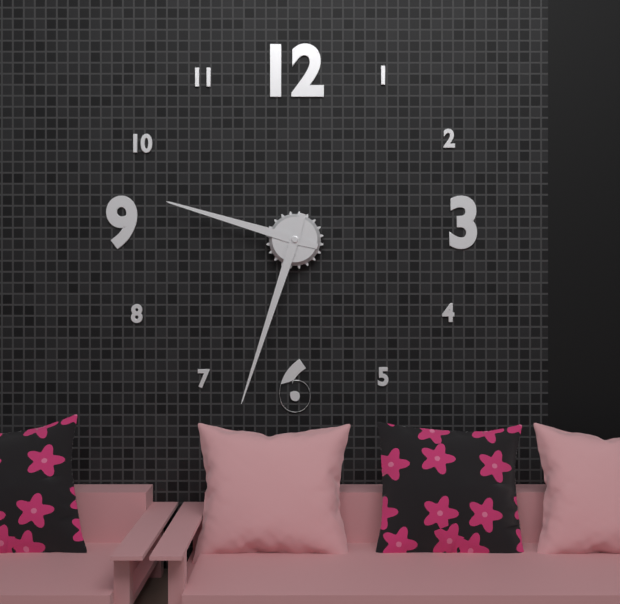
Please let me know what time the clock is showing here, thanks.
9:33
